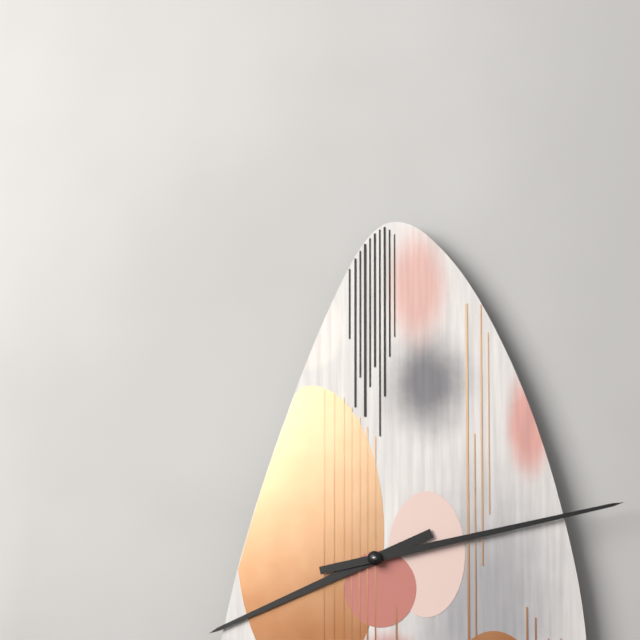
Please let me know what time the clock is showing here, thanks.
8:13
